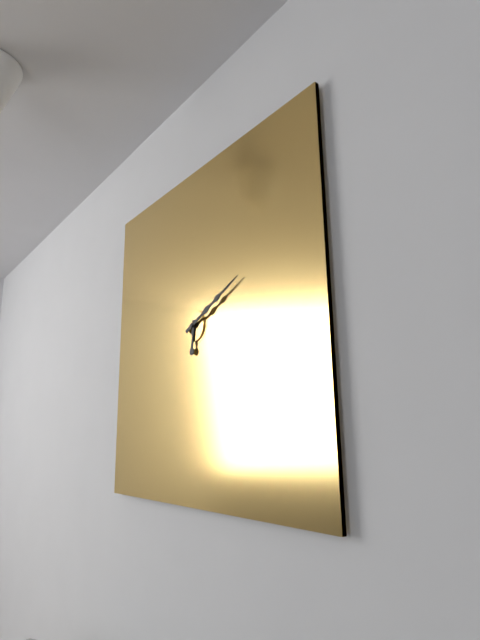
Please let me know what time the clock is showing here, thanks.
6:11
